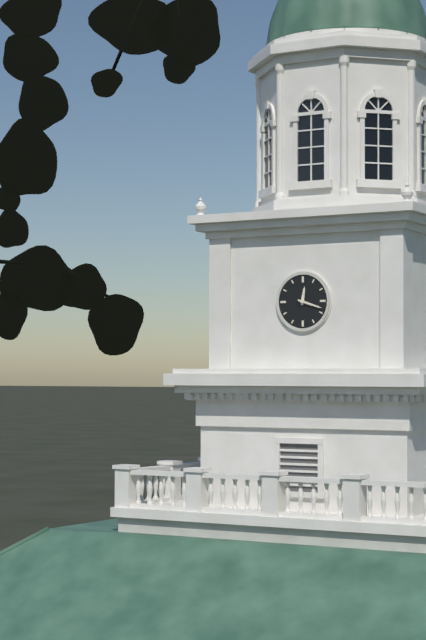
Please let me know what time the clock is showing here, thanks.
12:18
